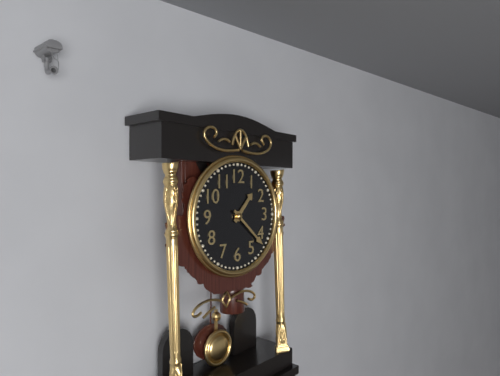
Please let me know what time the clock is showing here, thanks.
1:22
